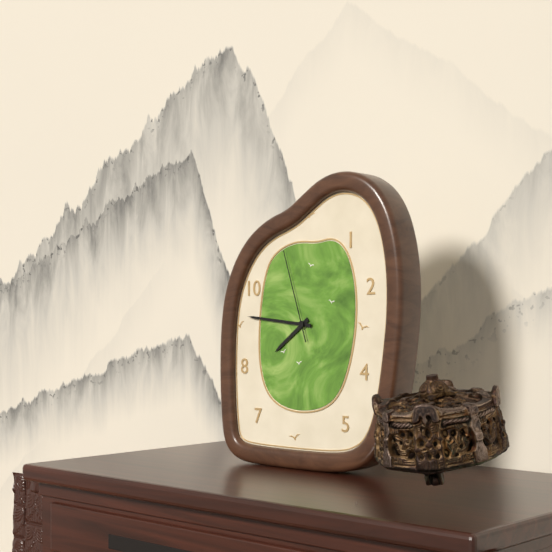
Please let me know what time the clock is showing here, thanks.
7:46:57
